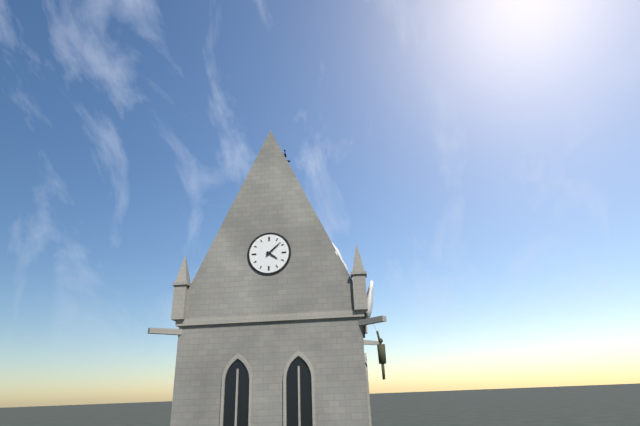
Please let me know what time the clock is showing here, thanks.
4:08
